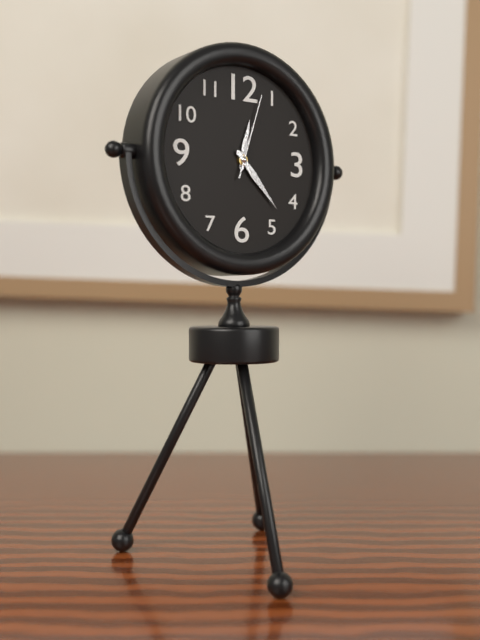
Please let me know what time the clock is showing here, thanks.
12:23:03
